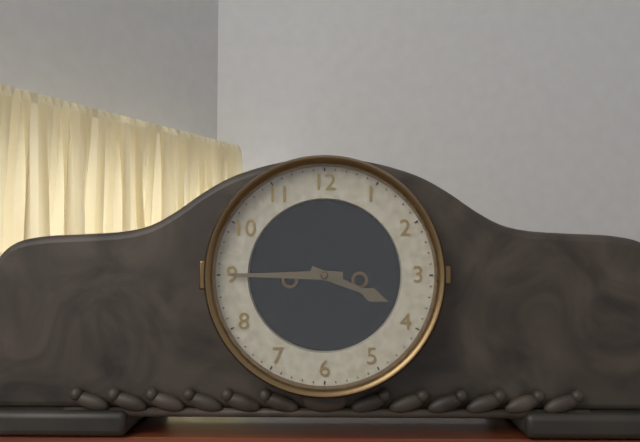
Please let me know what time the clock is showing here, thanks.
3:45
